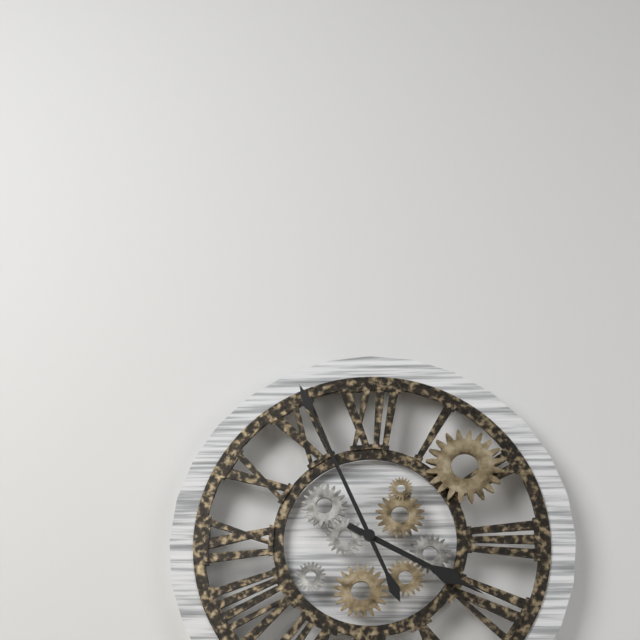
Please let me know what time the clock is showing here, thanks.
3:56
